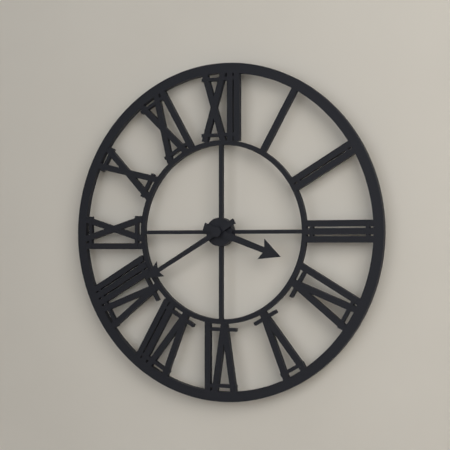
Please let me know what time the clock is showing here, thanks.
3:40
